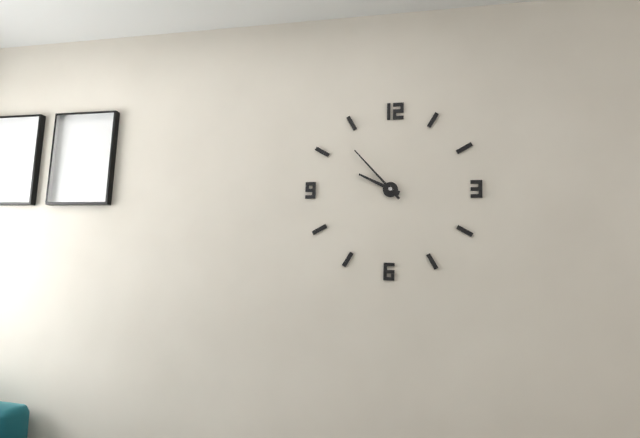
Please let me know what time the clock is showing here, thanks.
9:53
